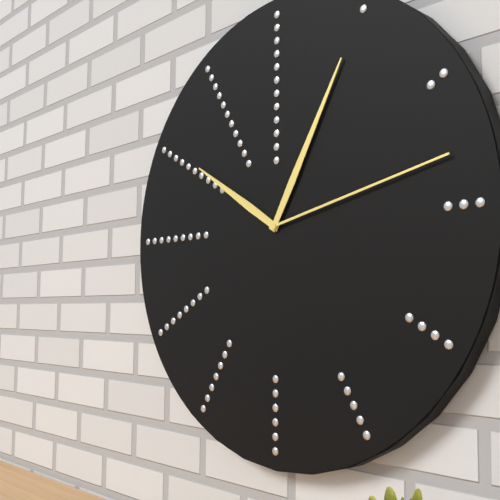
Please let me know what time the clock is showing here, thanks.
10:05:13
